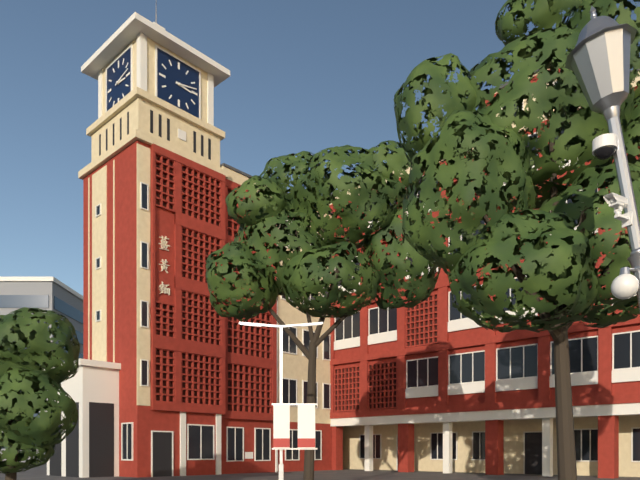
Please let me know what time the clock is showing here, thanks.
3:13
